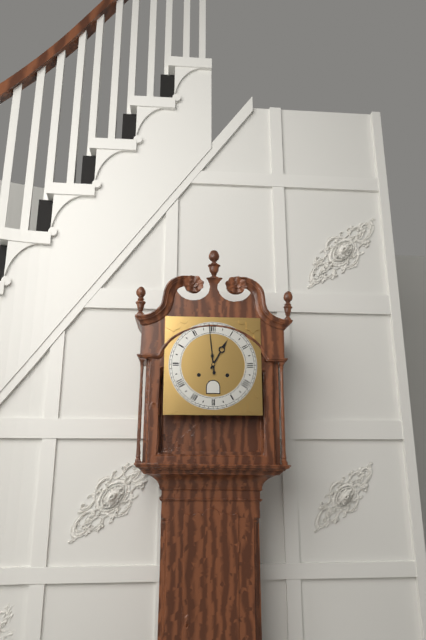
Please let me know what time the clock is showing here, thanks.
12:59
